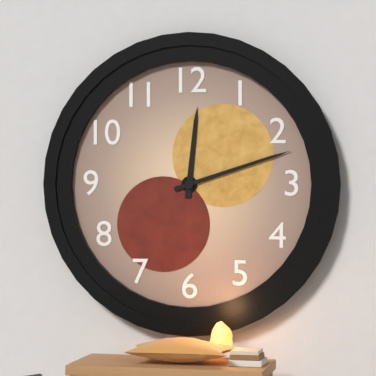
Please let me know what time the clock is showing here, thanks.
12:12
